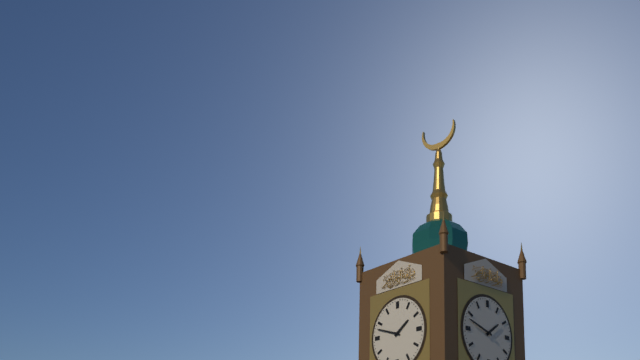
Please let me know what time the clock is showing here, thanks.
1:48
